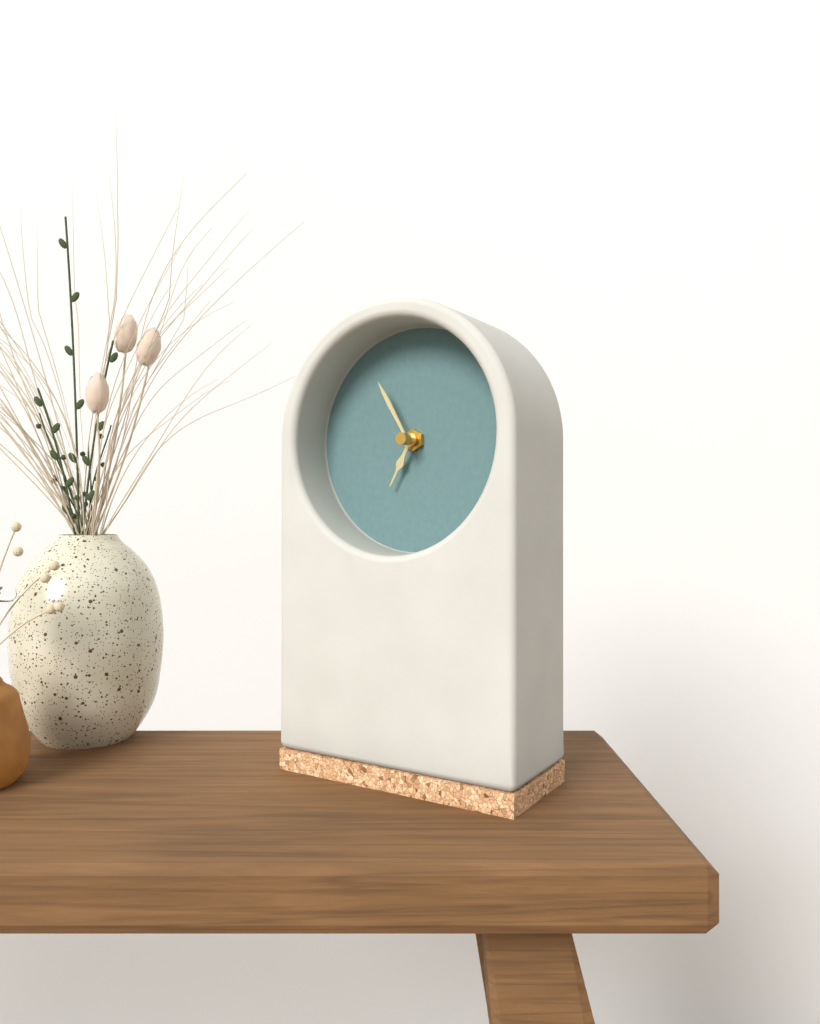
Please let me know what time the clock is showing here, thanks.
6:55
